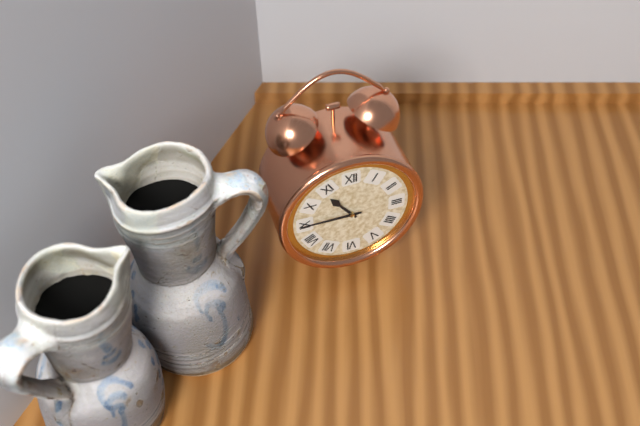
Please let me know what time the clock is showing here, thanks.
10:45
